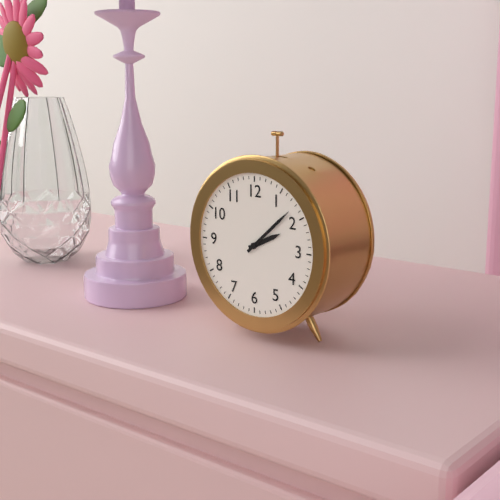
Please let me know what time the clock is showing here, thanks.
2:08
